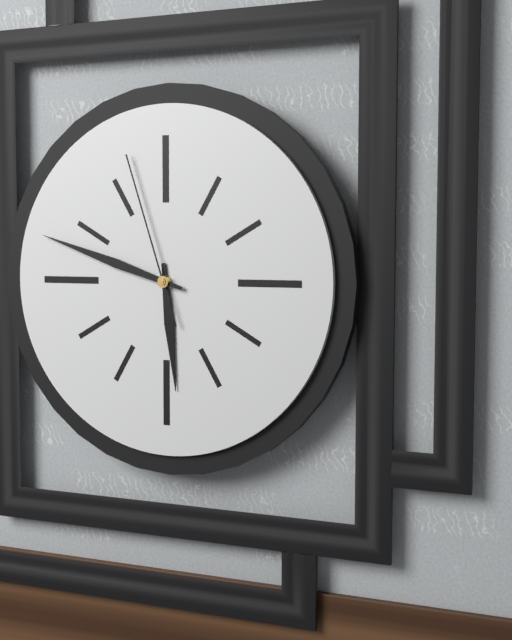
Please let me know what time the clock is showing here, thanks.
5:48:57
